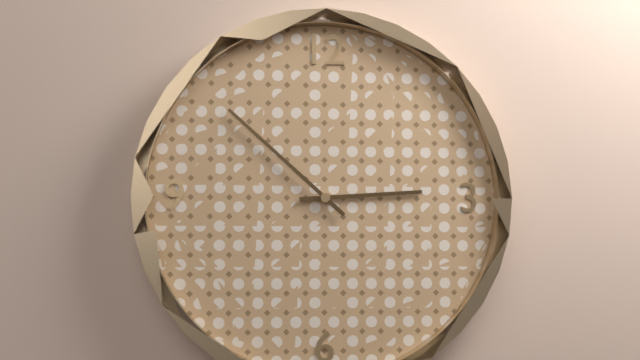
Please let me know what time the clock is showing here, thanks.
2:52
